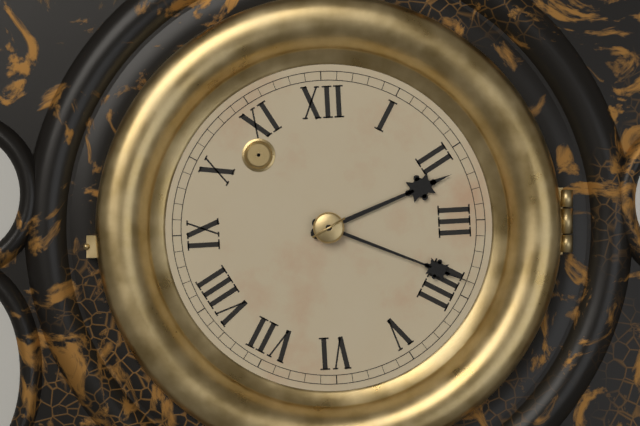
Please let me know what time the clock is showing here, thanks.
2:19
